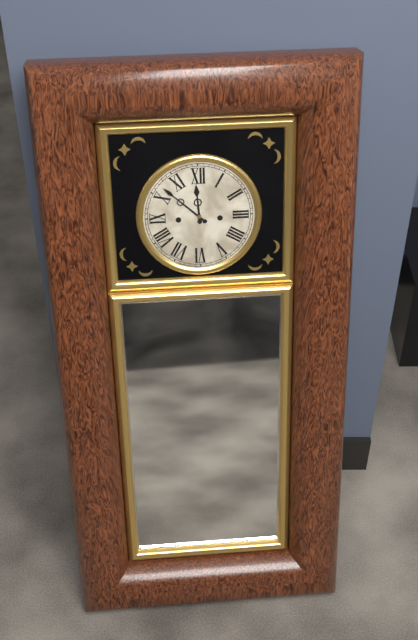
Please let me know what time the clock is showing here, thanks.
11:52
